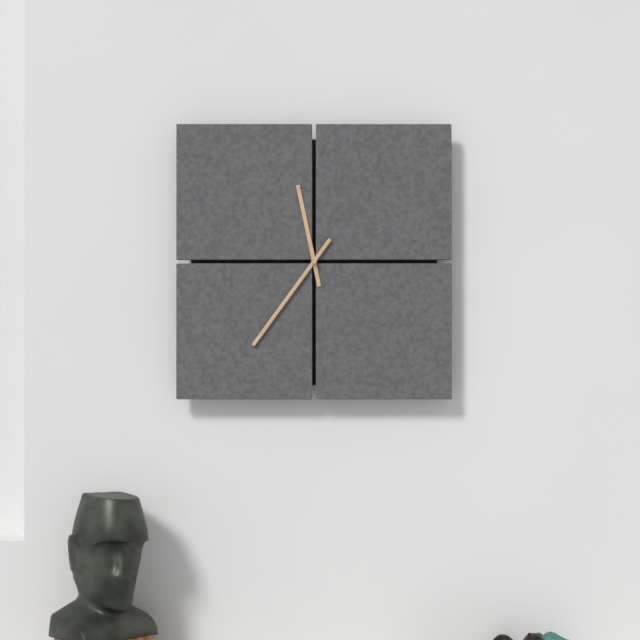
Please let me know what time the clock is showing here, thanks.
11:36
